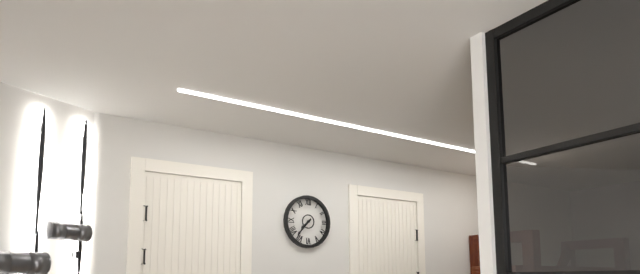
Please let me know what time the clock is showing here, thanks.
7:37
